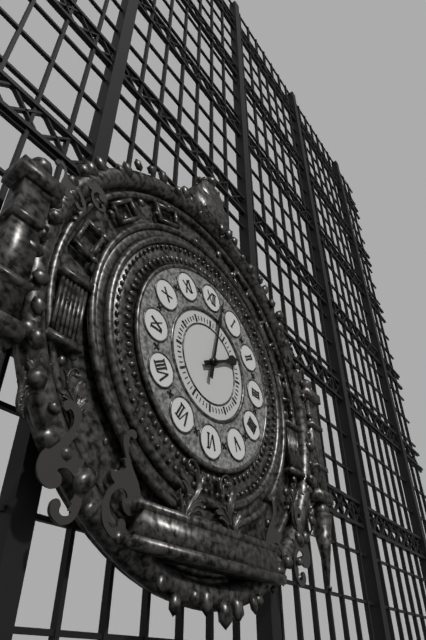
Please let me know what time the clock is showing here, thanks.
2:02
